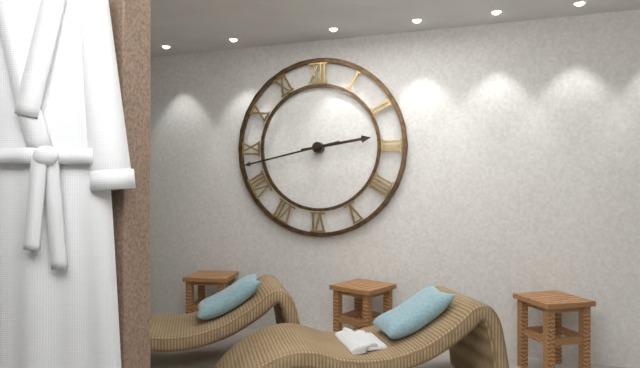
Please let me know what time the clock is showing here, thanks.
2:43
